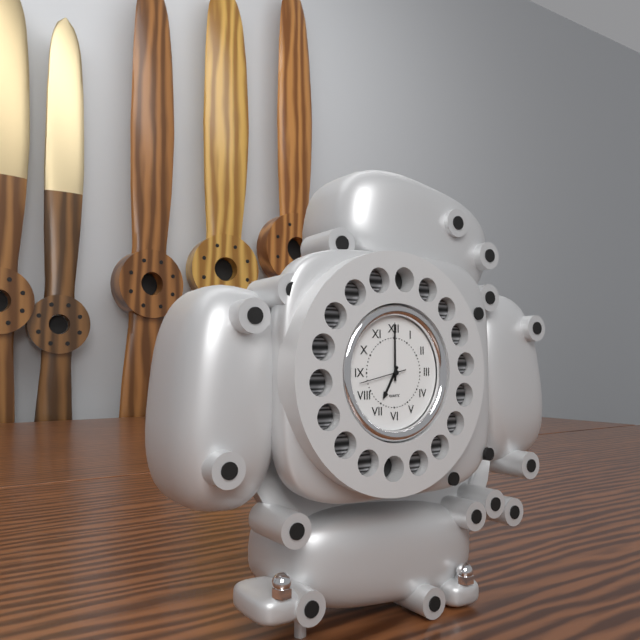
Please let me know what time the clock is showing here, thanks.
7:00
